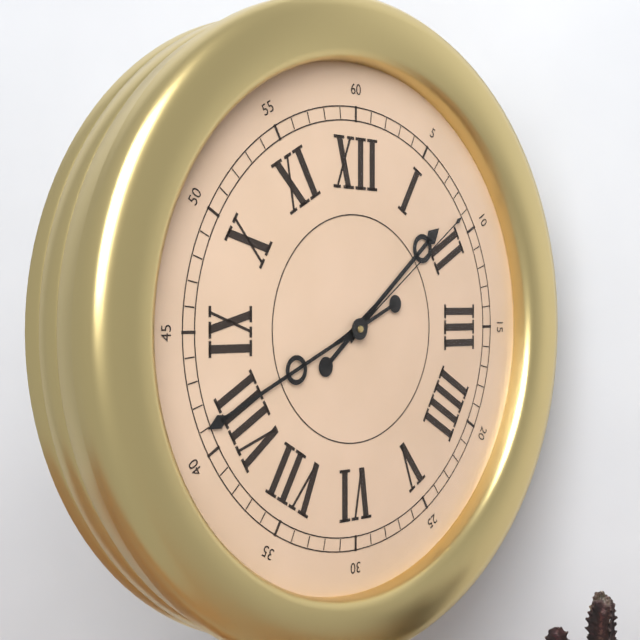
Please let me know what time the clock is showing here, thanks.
1:41:09
